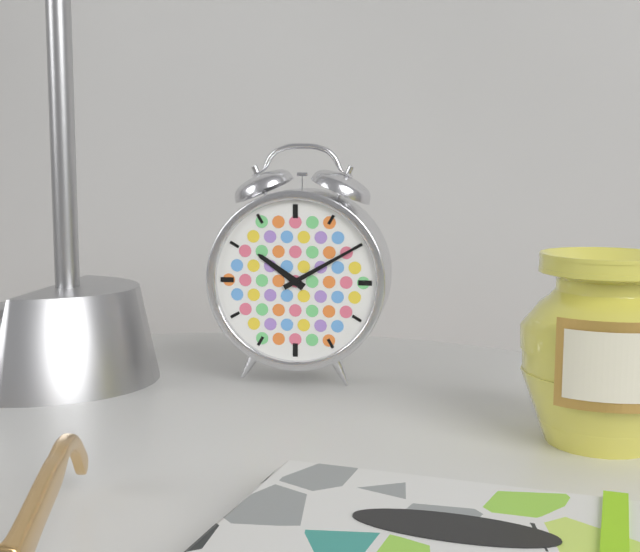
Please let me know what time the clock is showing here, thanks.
10:10
